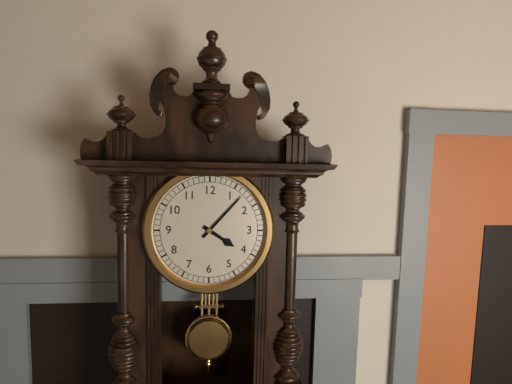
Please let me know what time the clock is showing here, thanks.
4:07
